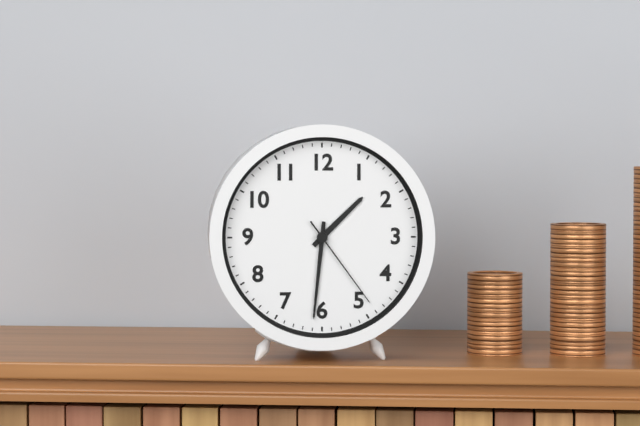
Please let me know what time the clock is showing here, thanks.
1:31:24
